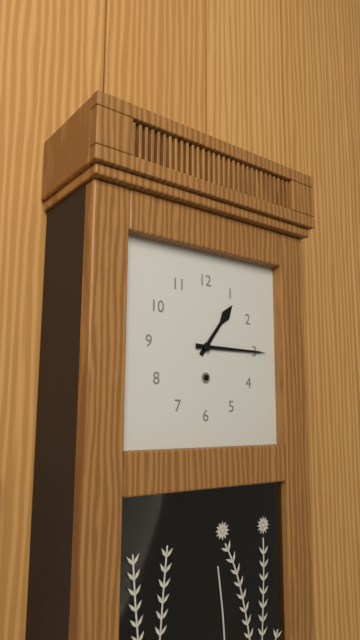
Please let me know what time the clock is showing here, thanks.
1:15
